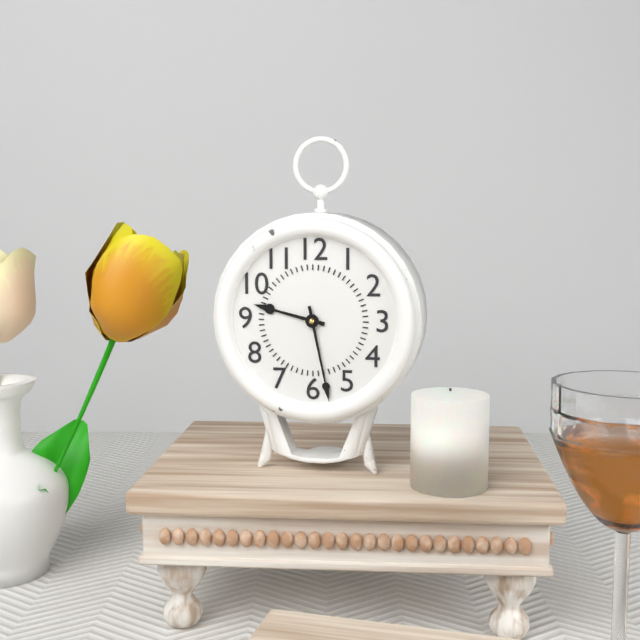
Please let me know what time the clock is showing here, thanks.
9:28
